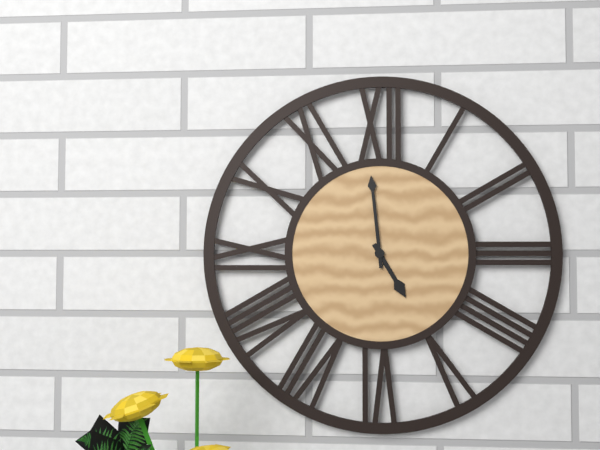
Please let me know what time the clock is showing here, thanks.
4:59
